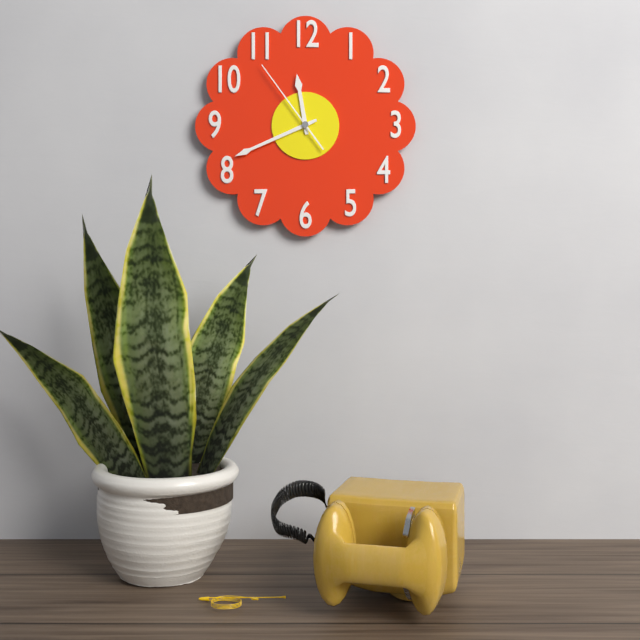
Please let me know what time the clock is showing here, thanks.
11:41:54
